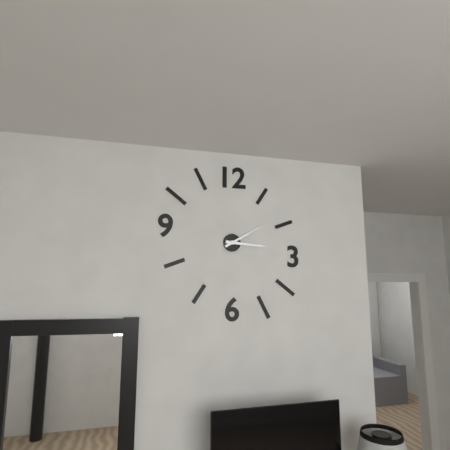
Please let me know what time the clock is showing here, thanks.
3:10
